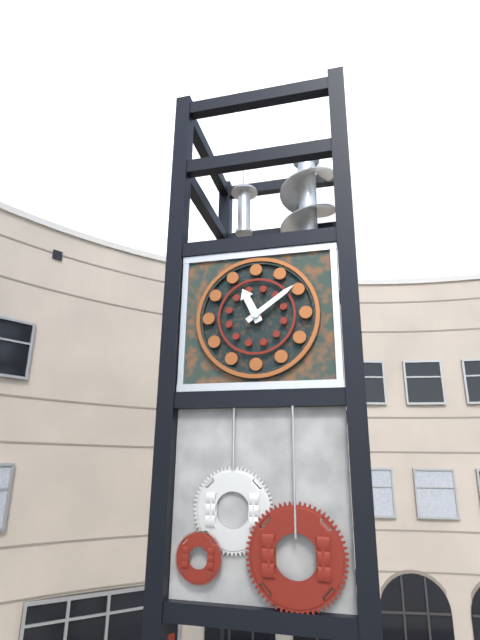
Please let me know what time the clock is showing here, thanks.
11:09
